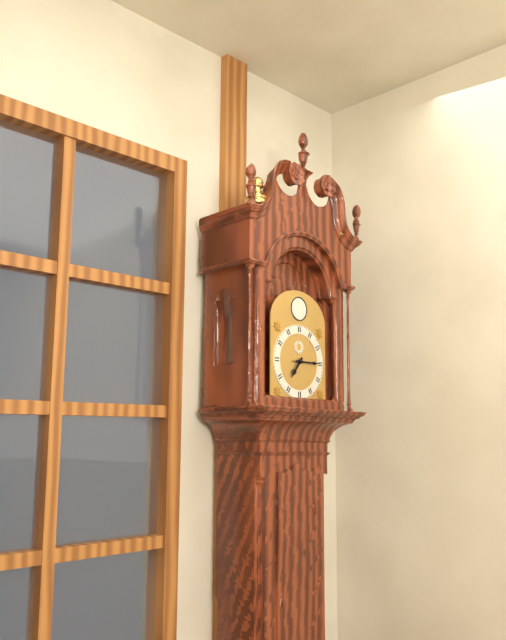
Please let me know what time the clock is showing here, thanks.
7:15
